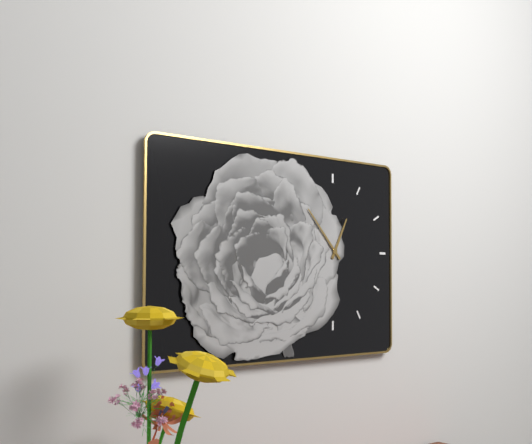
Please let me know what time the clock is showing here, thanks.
12:53
